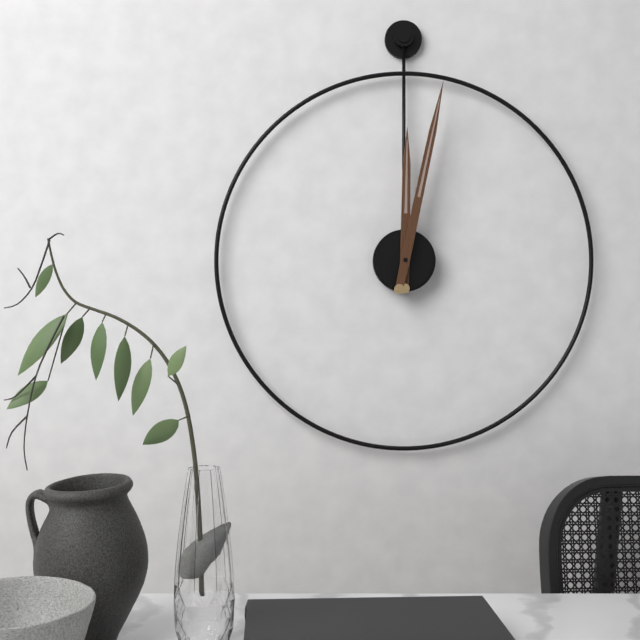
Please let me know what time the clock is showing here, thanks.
12:02
